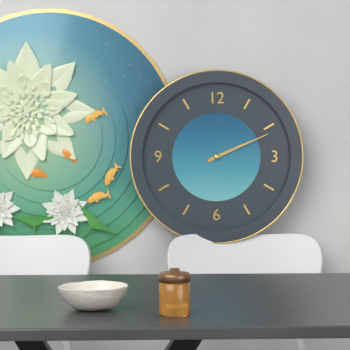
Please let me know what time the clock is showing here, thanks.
2:11
